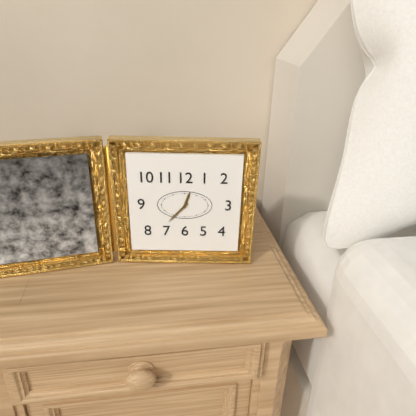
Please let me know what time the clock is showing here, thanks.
12:37
